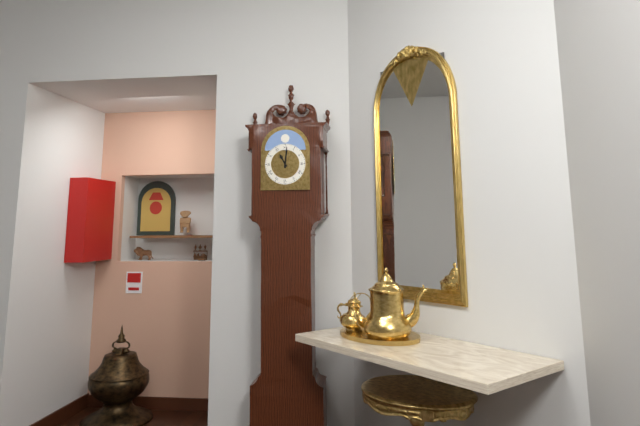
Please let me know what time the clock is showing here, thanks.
11:01
